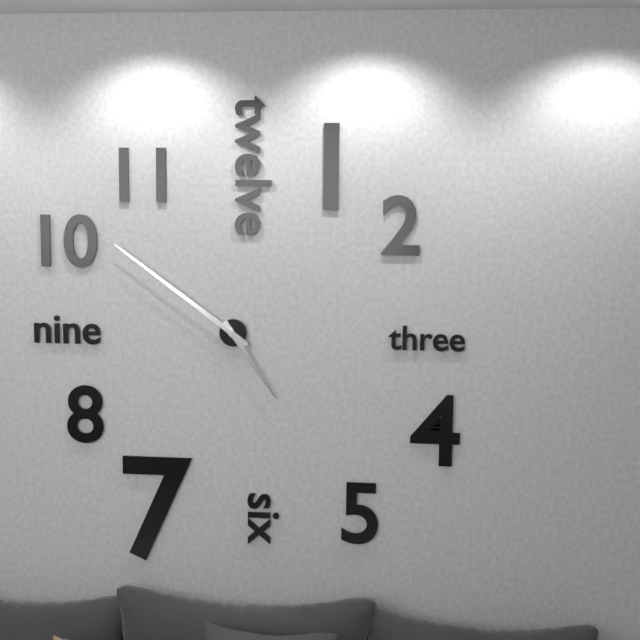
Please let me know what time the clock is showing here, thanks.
4:51
